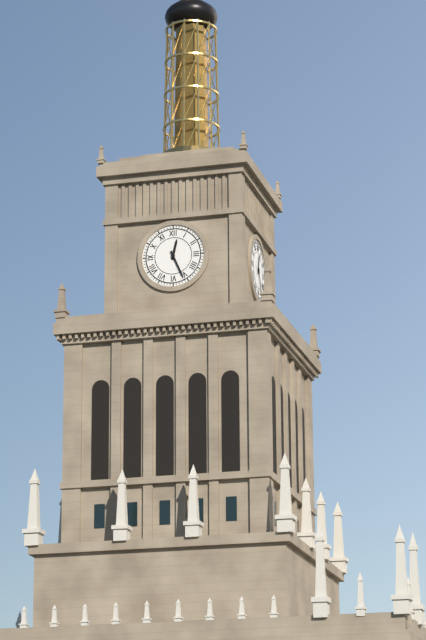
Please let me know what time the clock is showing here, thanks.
12:26
